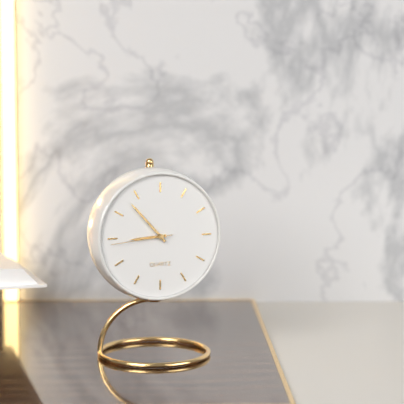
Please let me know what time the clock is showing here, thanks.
8:53:44
